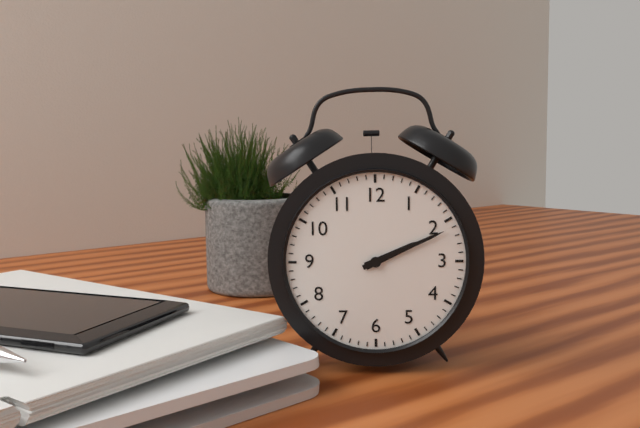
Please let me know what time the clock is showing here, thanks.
2:11
